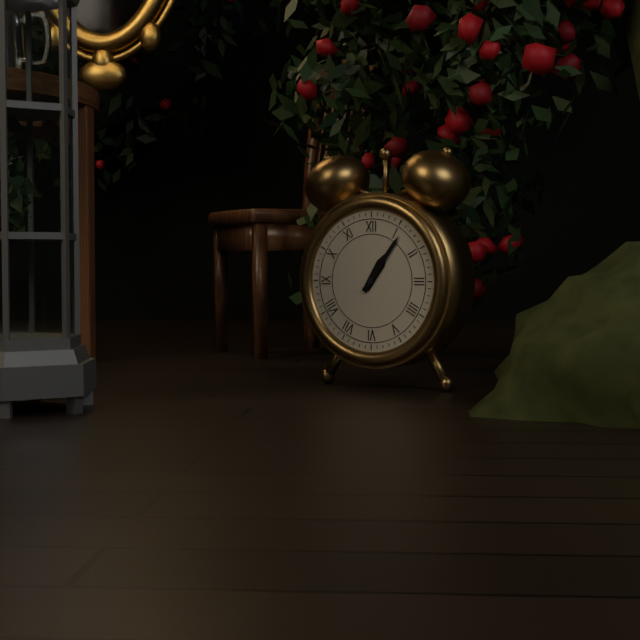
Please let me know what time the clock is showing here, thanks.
1:06
